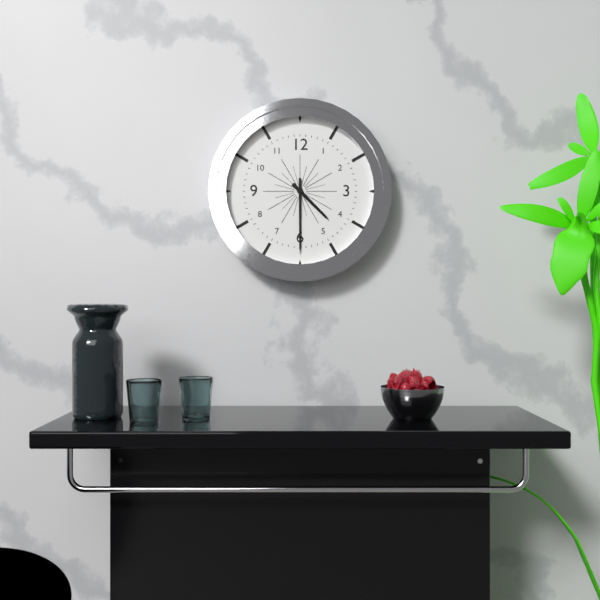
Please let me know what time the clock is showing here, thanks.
4:30
